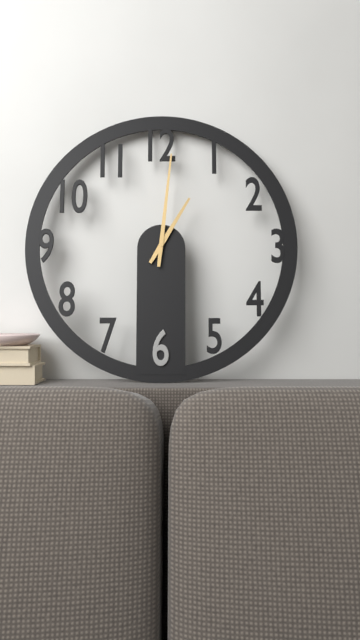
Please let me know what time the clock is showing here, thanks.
1:01
